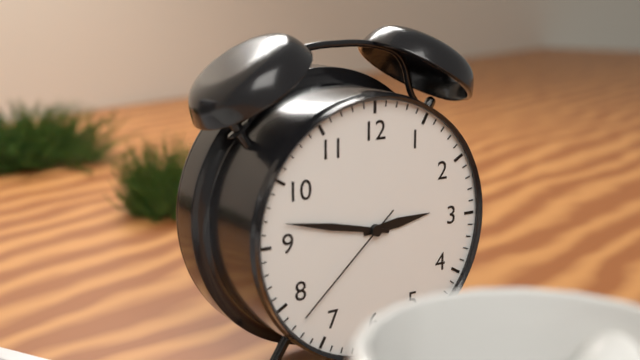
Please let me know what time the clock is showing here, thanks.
2:47:38
